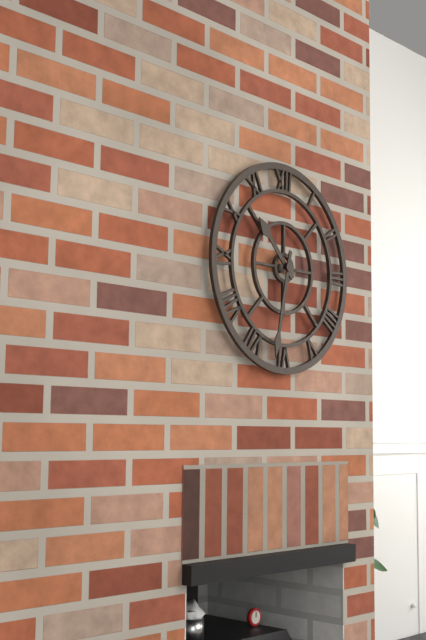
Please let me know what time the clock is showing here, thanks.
10:32
